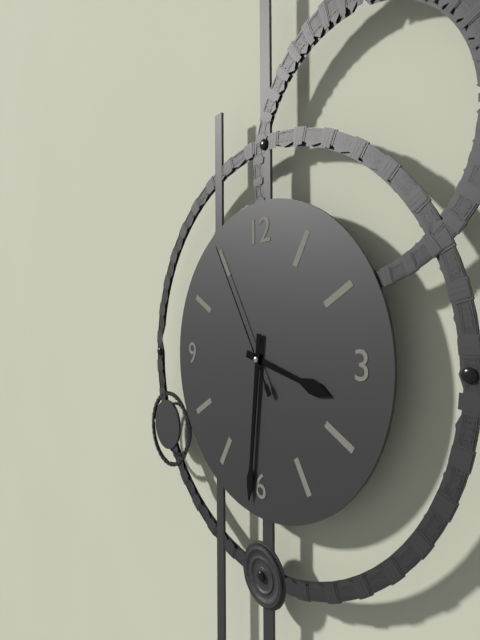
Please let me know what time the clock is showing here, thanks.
3:31:55
